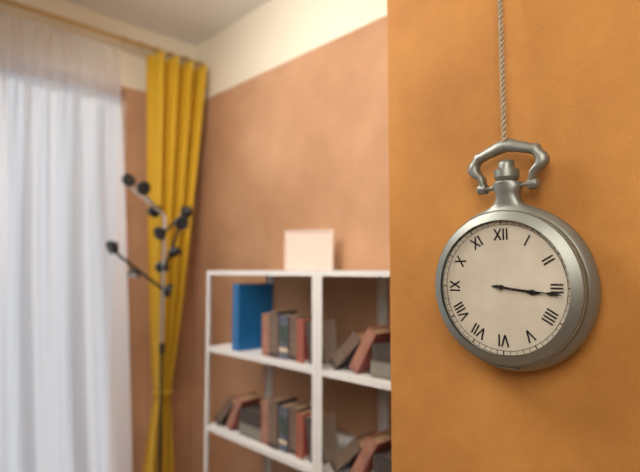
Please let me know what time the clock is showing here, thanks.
3:16
